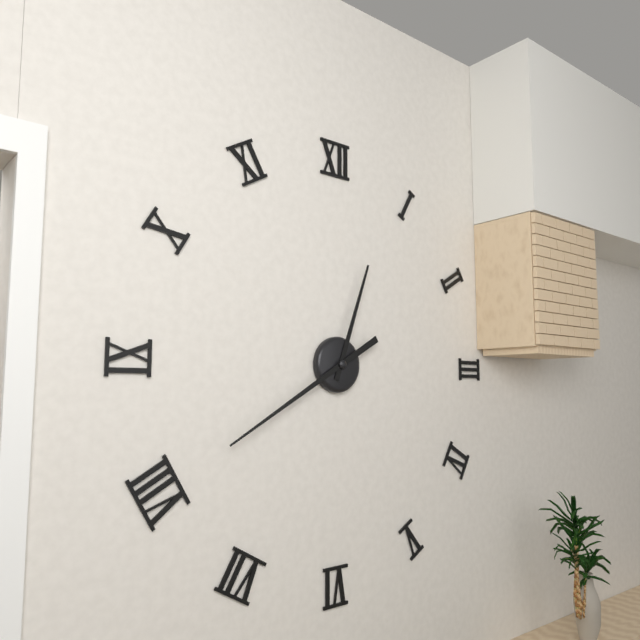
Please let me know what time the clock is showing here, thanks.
12:40
